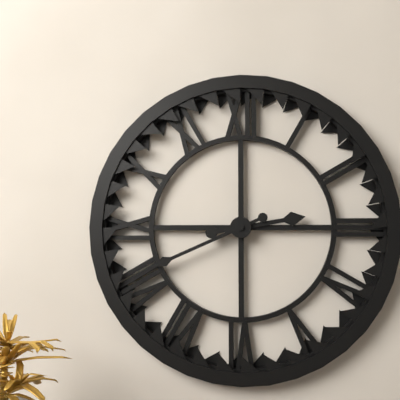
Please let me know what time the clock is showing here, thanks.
2:41
